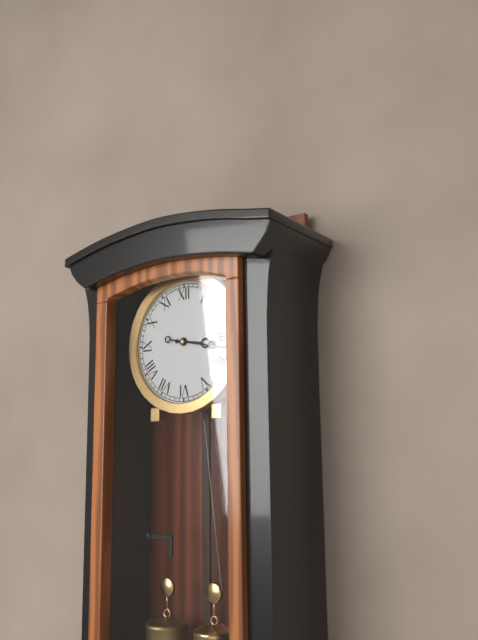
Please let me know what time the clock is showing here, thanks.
3:17
